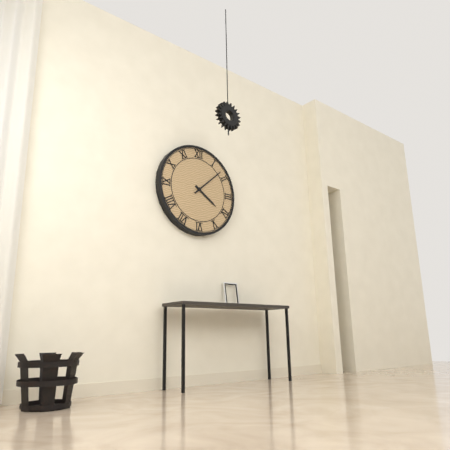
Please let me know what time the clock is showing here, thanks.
4:08
